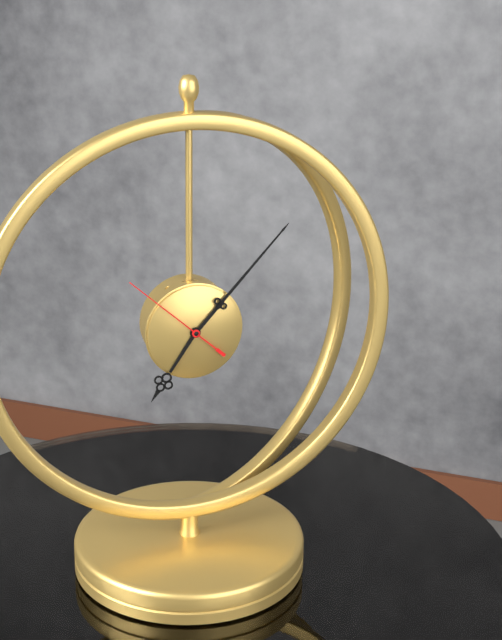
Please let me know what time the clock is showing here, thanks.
7:07:52
